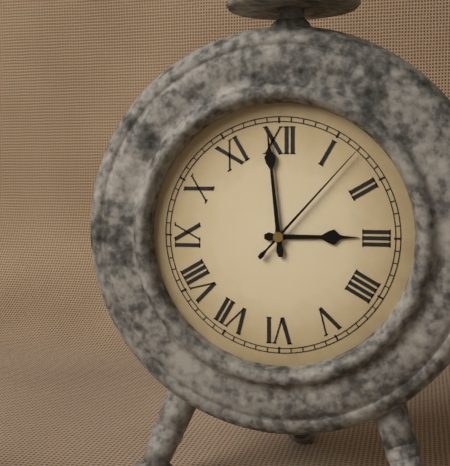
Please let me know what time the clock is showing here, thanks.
2:59:07
